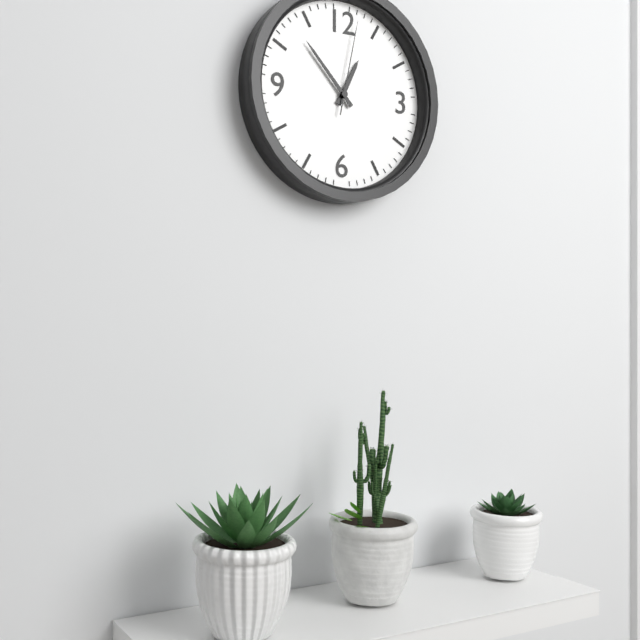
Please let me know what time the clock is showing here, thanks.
12:53:02
